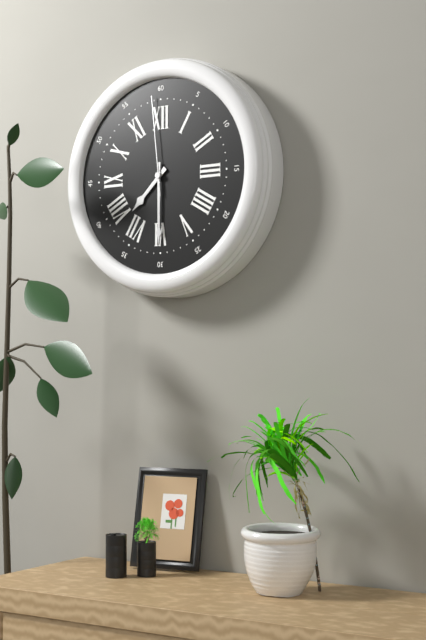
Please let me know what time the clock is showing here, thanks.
7:30:59
